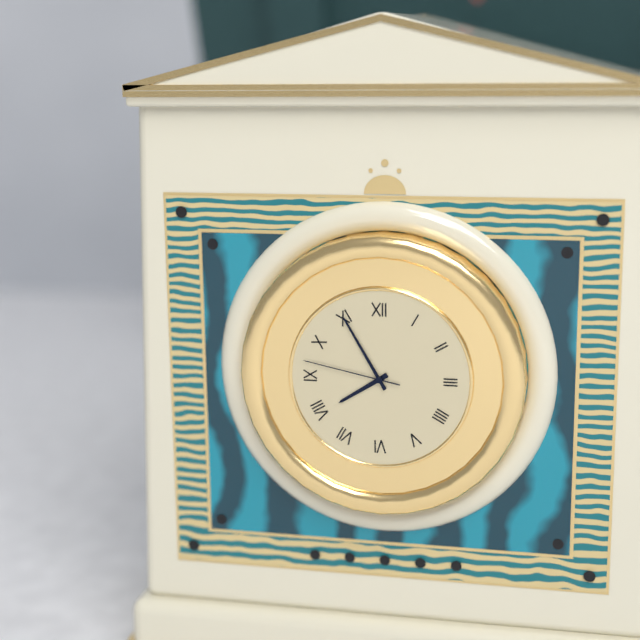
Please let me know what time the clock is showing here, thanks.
7:55:47
